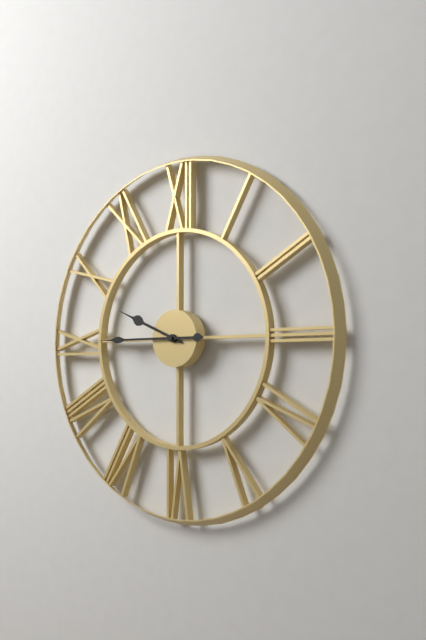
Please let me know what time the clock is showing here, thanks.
9:45
